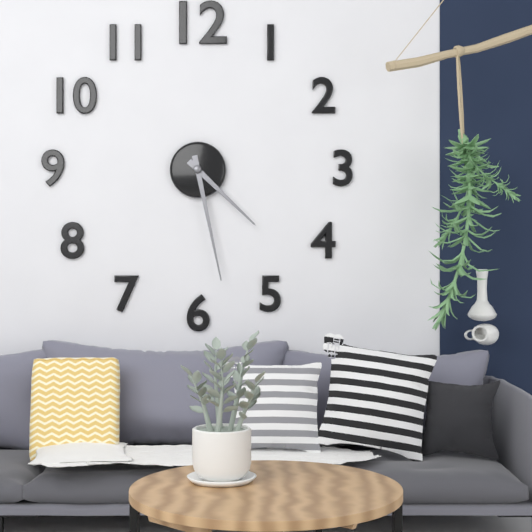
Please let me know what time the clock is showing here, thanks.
4:28
